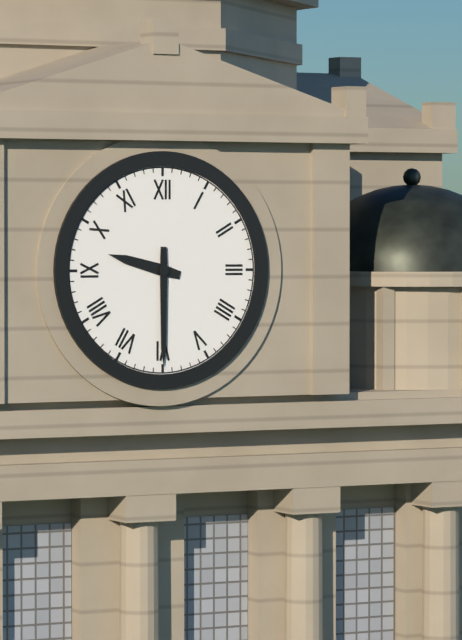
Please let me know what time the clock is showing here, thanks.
9:30
